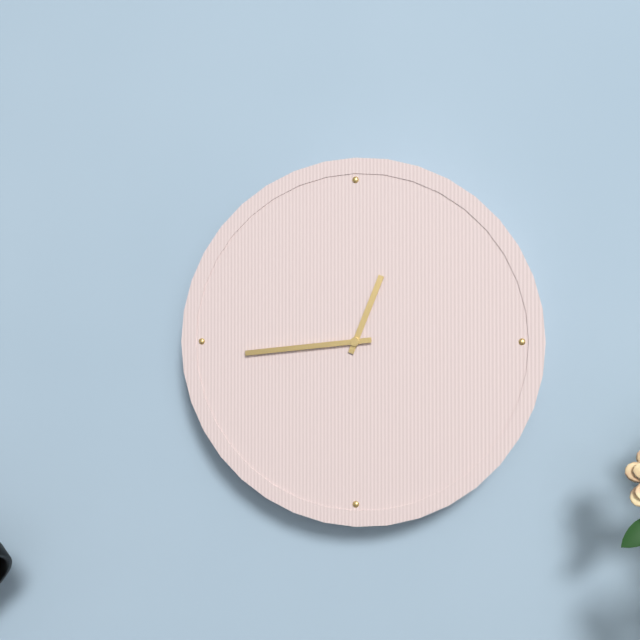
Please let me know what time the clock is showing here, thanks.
12:44
